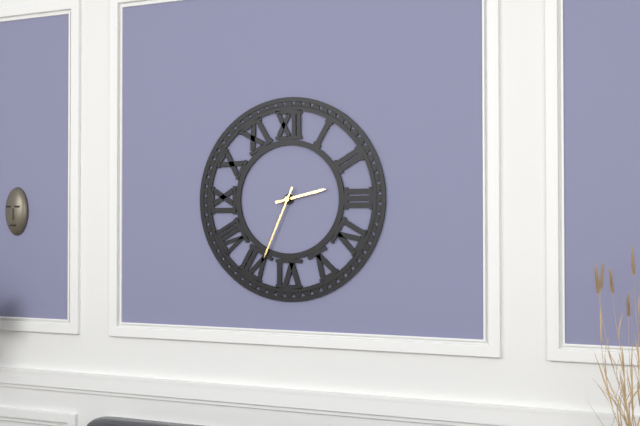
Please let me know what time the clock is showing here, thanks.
2:34
